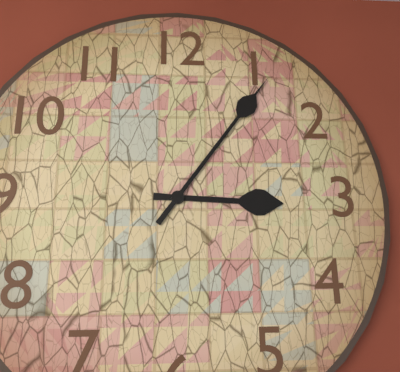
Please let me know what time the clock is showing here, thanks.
3:06
